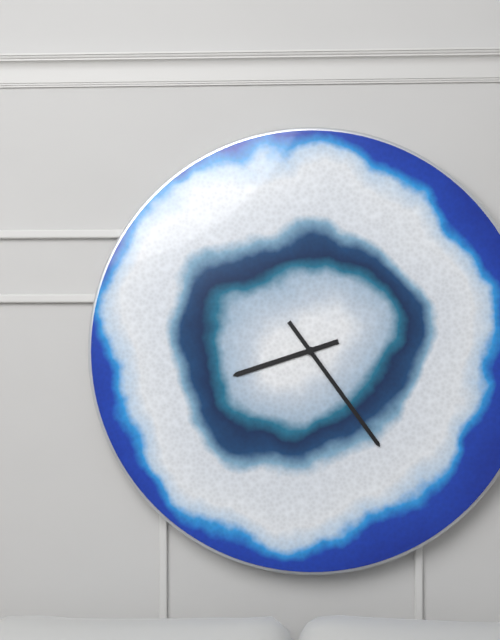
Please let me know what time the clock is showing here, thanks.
8:24
